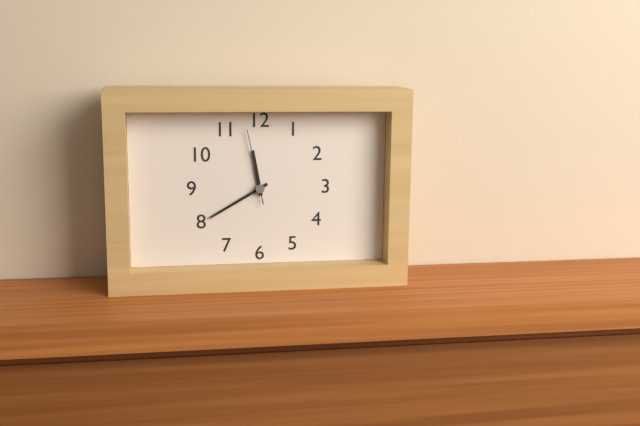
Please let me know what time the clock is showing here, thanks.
11:40:58
